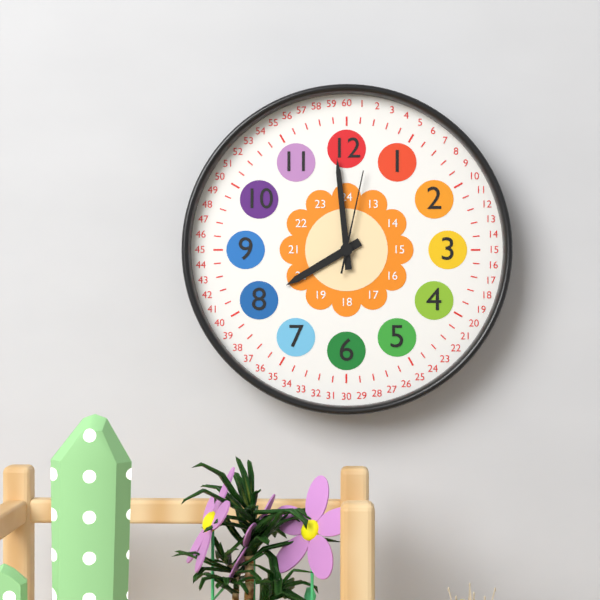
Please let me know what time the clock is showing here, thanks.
7:59:02
